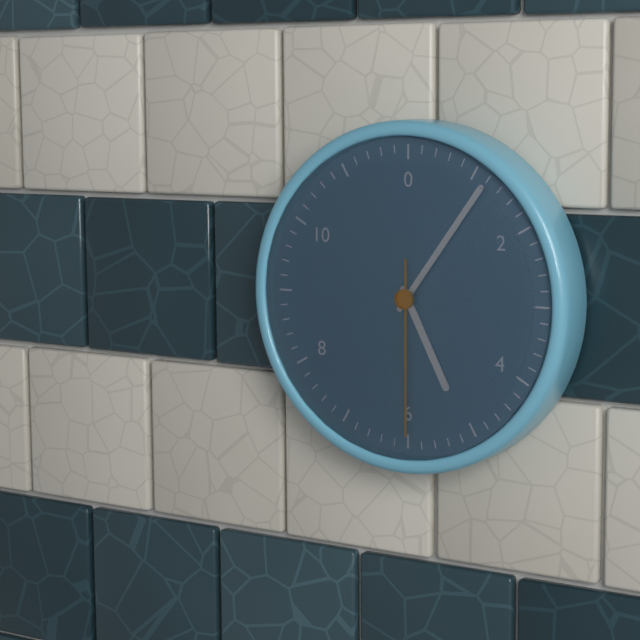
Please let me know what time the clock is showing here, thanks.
5:06:30
